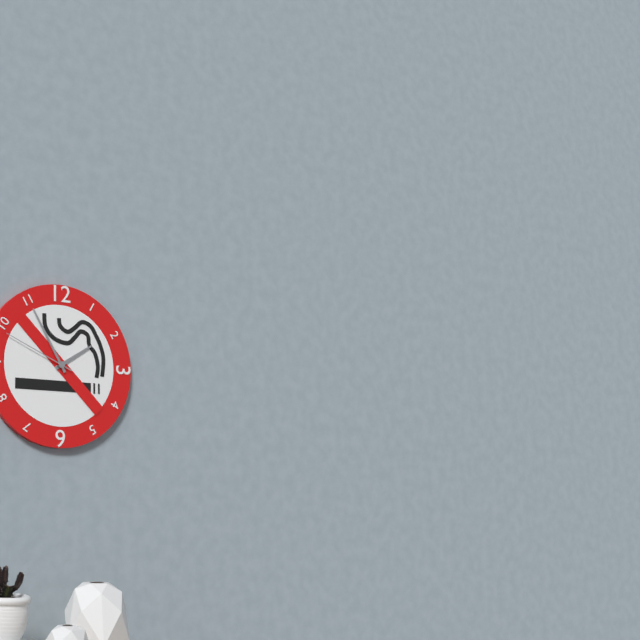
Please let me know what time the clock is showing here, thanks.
1:55:49
